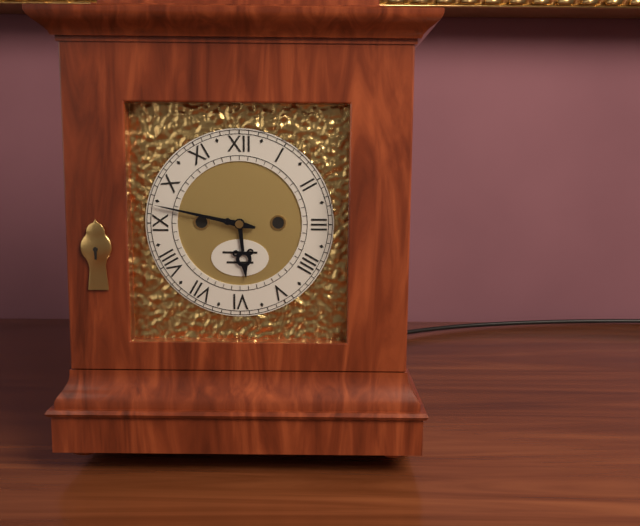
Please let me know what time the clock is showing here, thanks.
5:47
